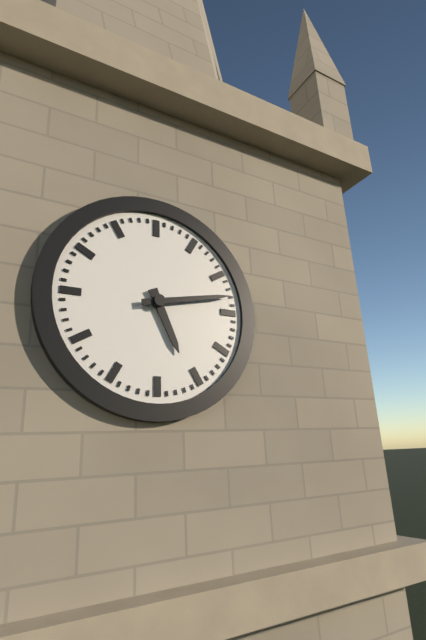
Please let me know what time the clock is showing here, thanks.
5:13
